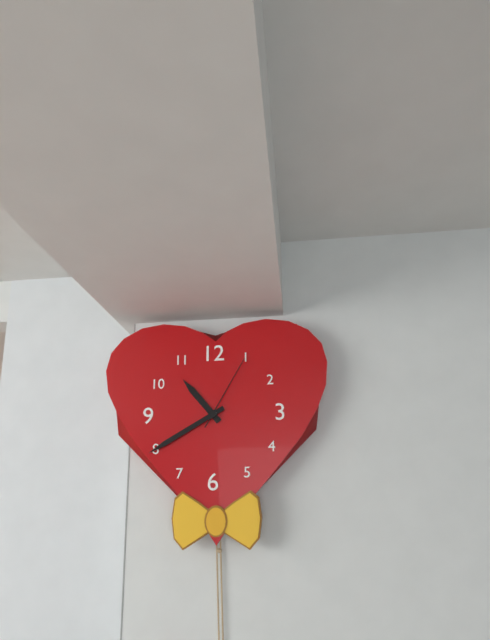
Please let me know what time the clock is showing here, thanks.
10:40:05
